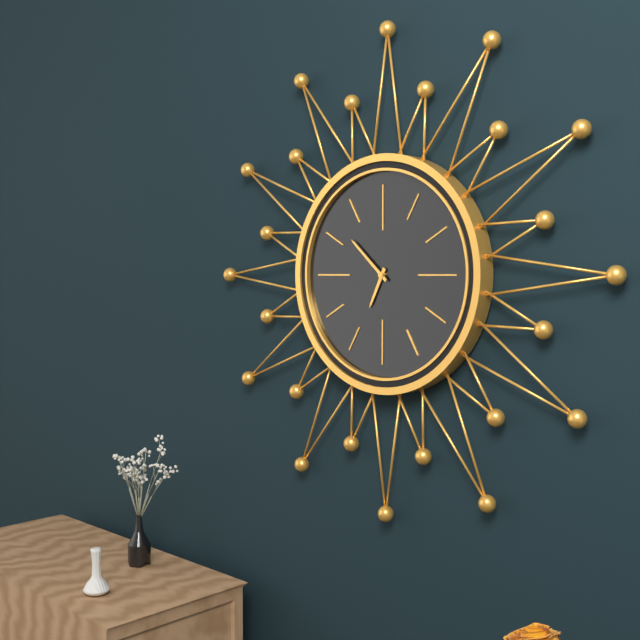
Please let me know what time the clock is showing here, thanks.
6:52
